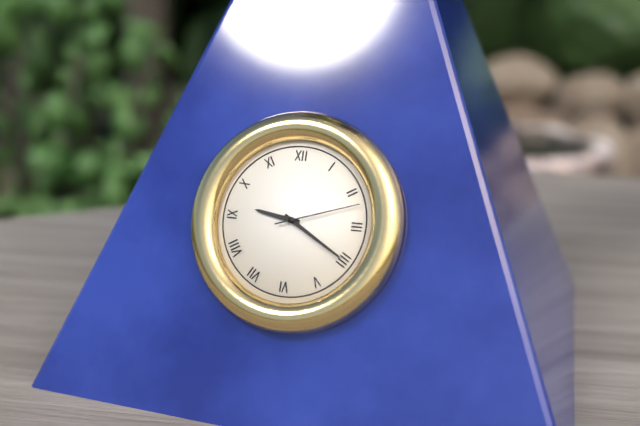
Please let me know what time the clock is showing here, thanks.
9:20:12
